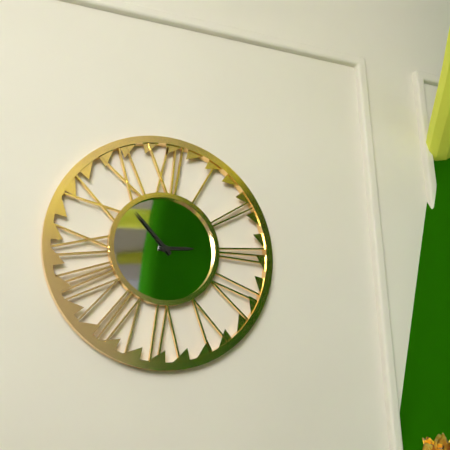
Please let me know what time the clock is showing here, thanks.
2:53
